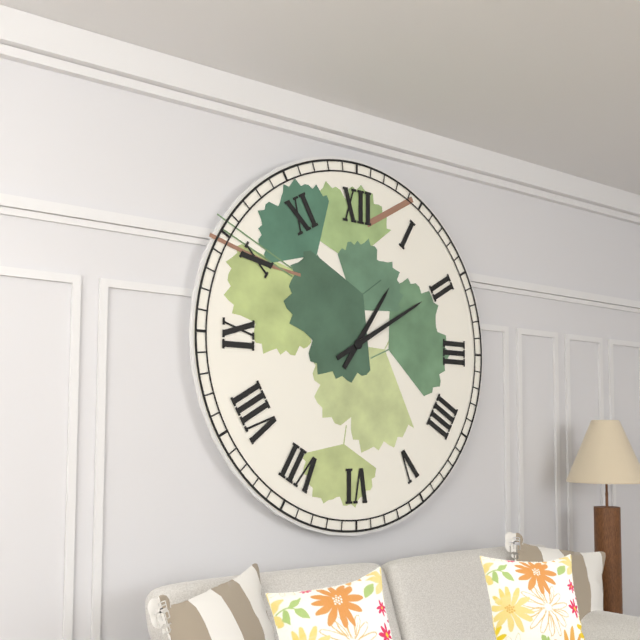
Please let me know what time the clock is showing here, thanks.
1:10
